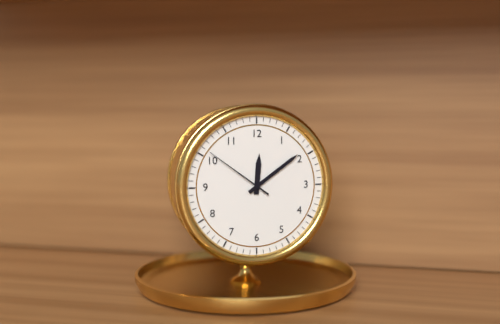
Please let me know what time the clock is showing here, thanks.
12:09:51
